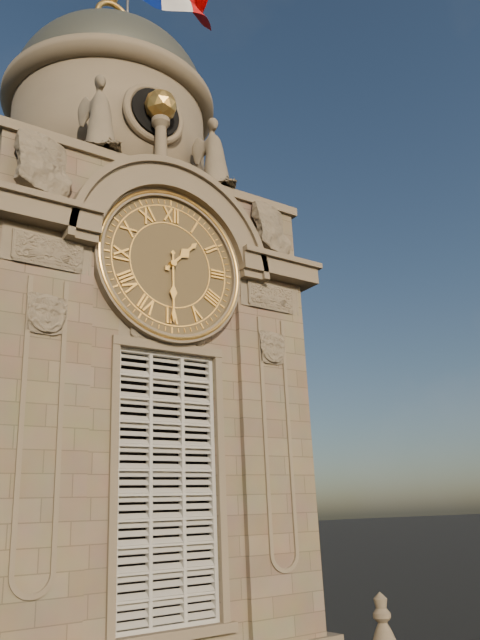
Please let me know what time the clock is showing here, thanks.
1:30
